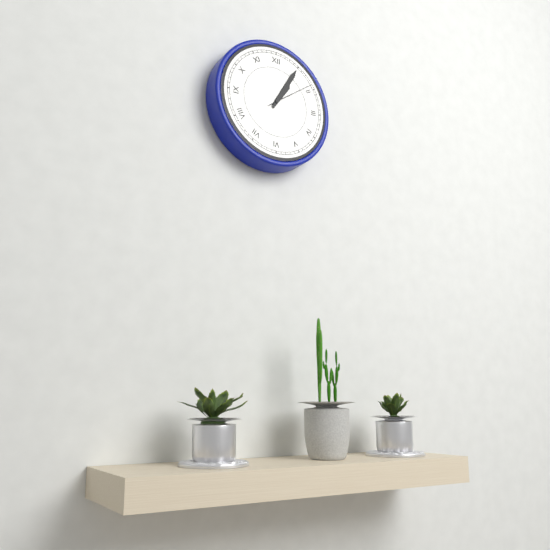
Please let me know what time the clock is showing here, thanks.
1:05
